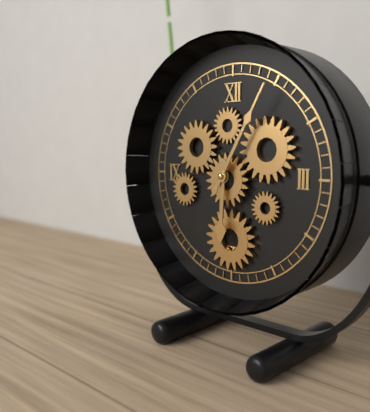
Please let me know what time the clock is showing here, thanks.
6:05
